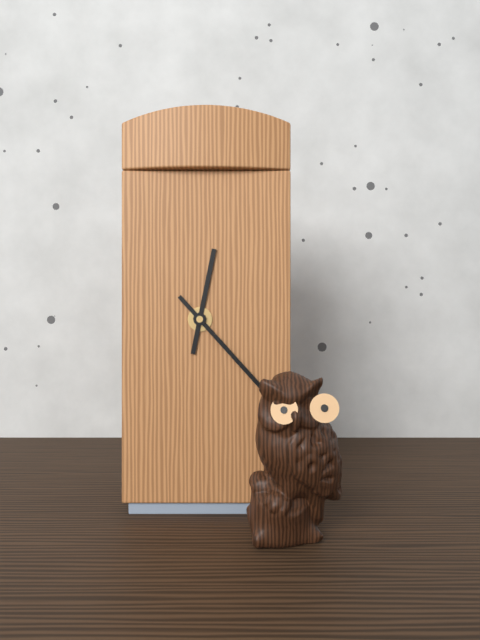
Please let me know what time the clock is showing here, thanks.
12:23
